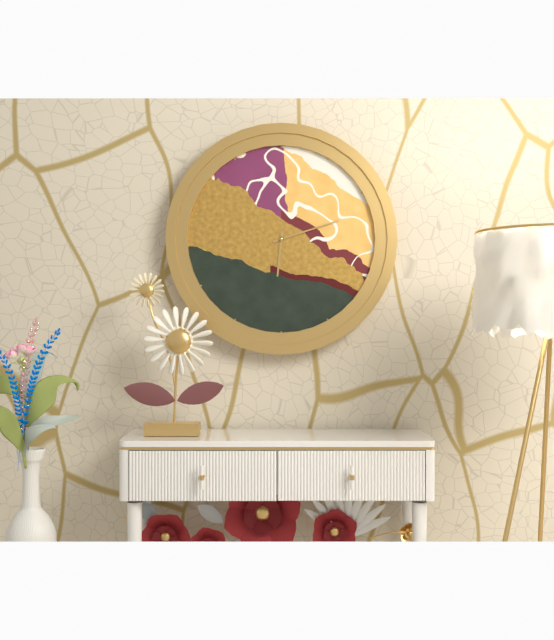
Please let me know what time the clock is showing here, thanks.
6:12
